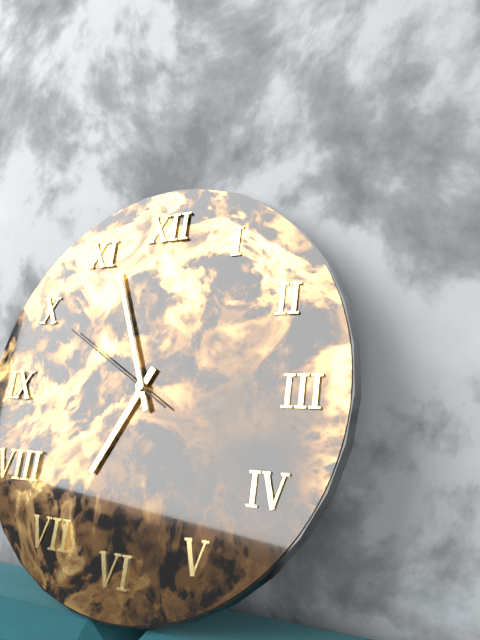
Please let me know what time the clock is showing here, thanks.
6:56:50
